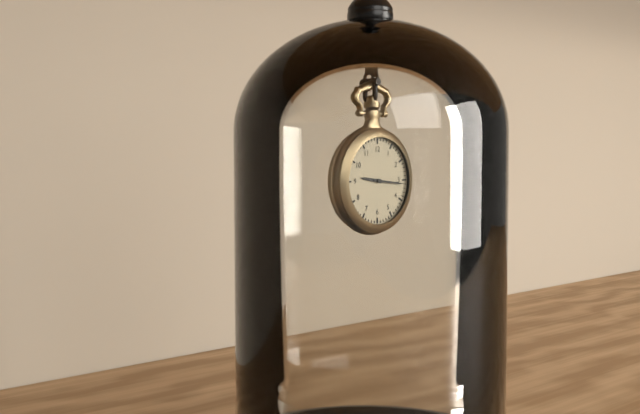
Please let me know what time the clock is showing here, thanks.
9:16
